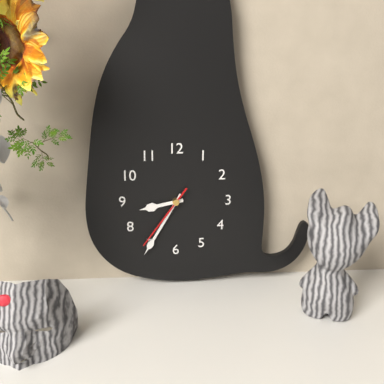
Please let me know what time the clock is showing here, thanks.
8:35:36
